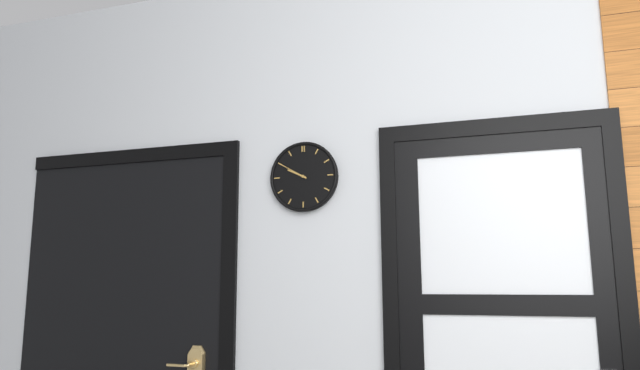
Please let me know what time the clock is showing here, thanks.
9:50
